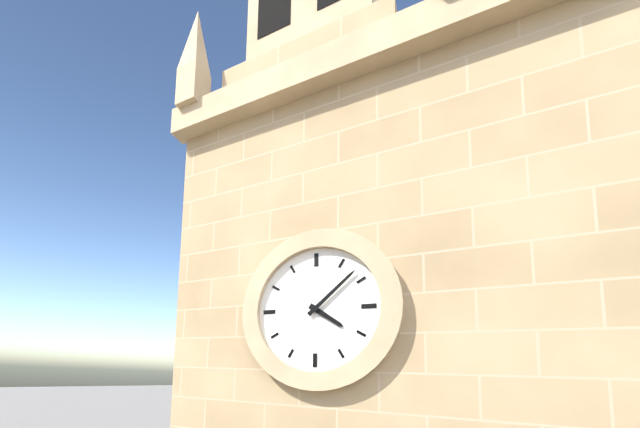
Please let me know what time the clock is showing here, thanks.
4:08
